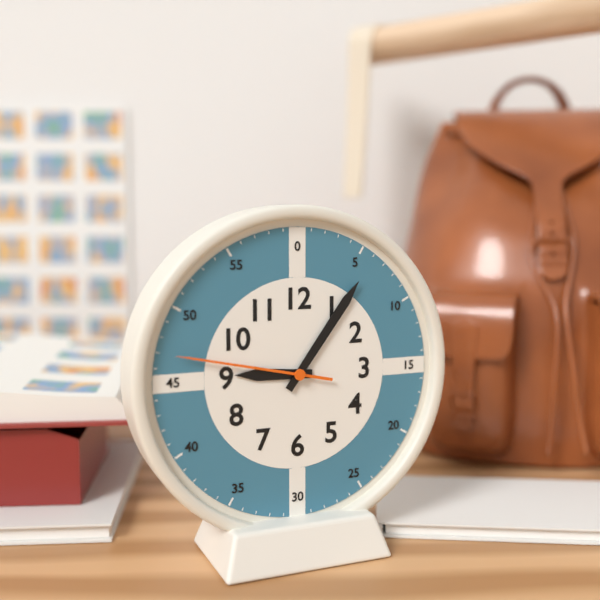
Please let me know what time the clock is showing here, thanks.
9:06:47
